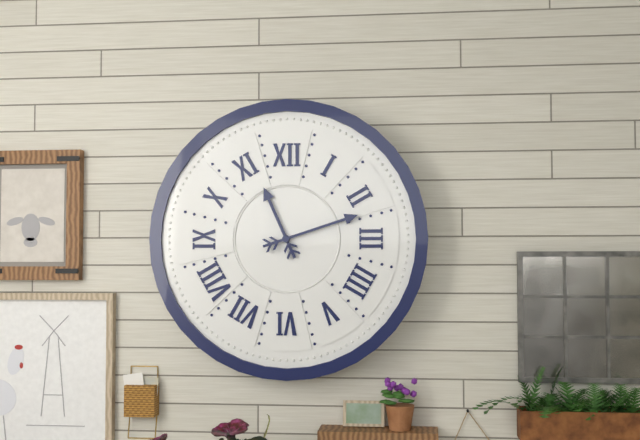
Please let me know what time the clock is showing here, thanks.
11:12
